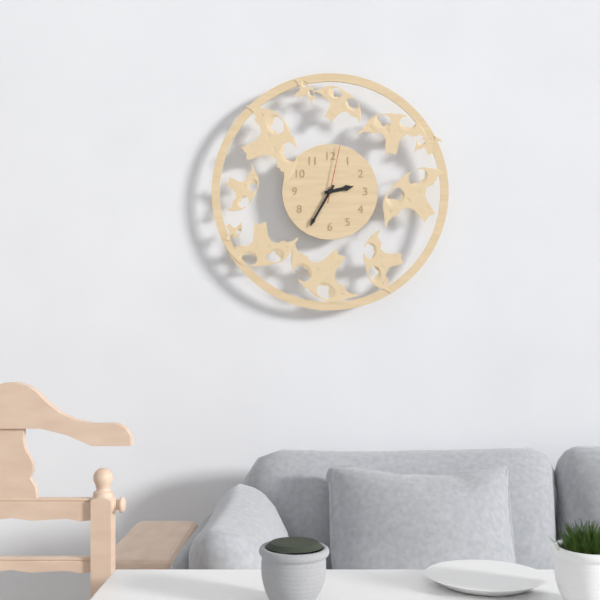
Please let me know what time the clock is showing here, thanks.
2:35:02
